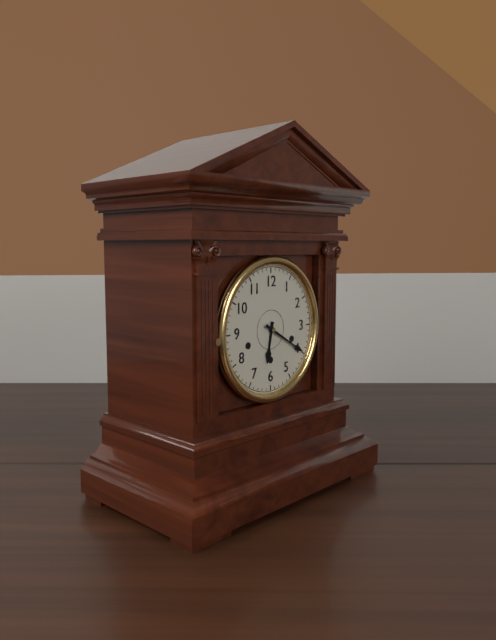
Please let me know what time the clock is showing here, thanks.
6:20
